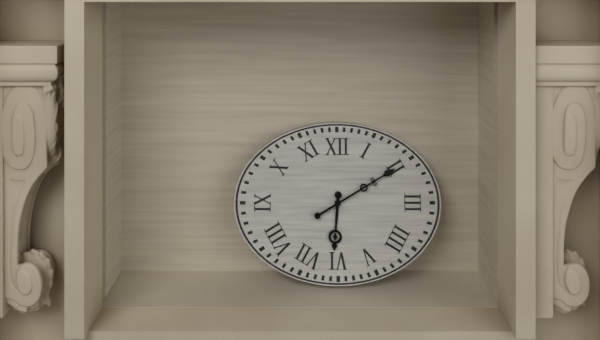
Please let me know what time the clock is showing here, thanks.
6:10
